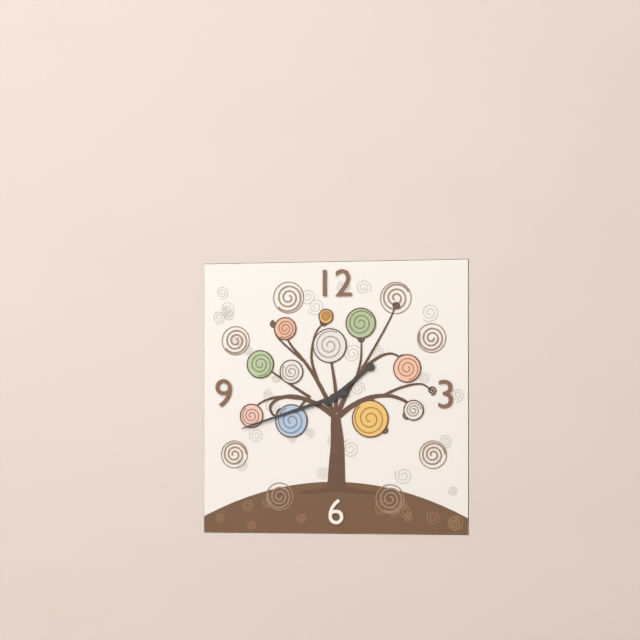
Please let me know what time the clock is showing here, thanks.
1:42
